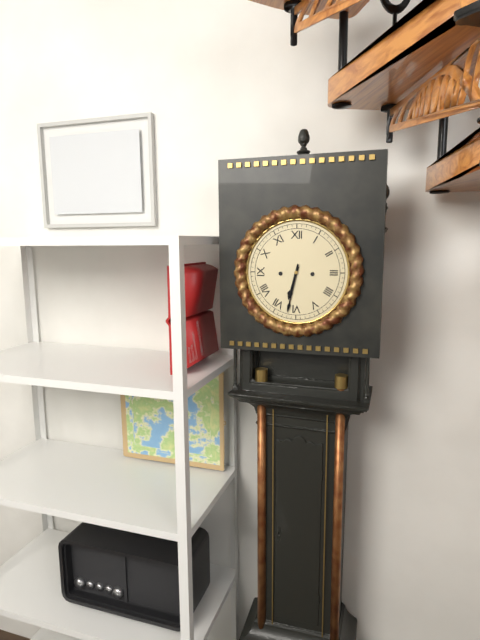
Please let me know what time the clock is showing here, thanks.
6:32
